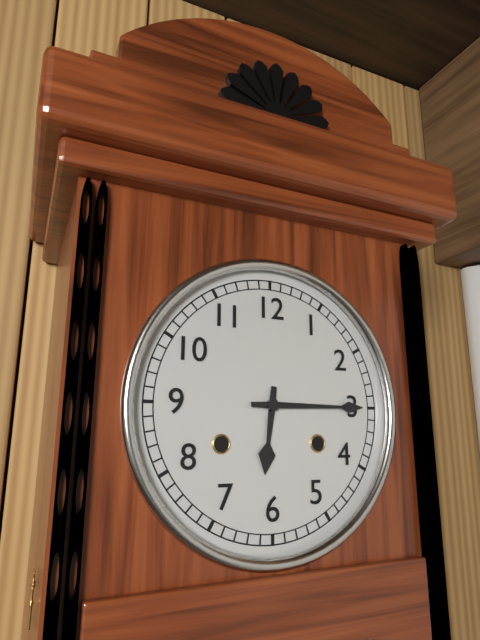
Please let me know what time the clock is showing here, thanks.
6:15
